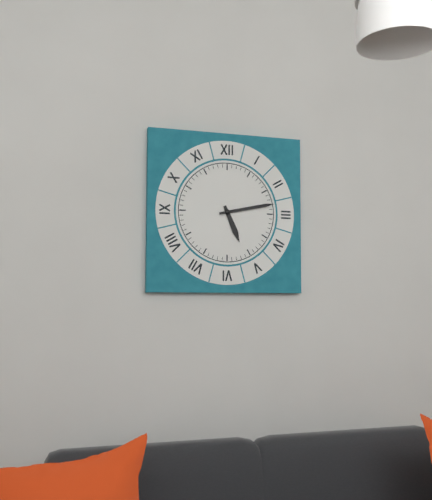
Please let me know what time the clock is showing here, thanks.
5:13
